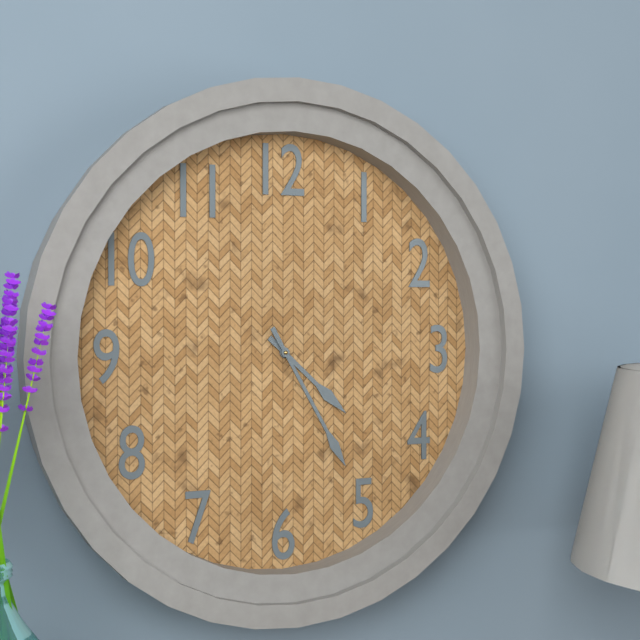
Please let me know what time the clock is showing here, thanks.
4:25
